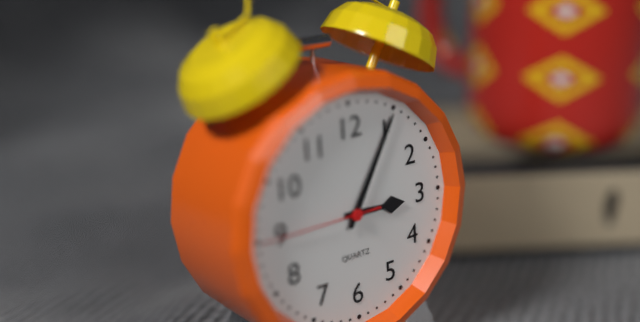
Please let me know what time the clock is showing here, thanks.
3:05:45
